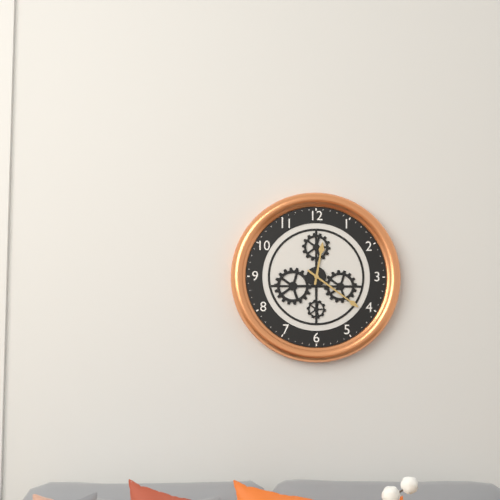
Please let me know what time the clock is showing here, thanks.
12:21
